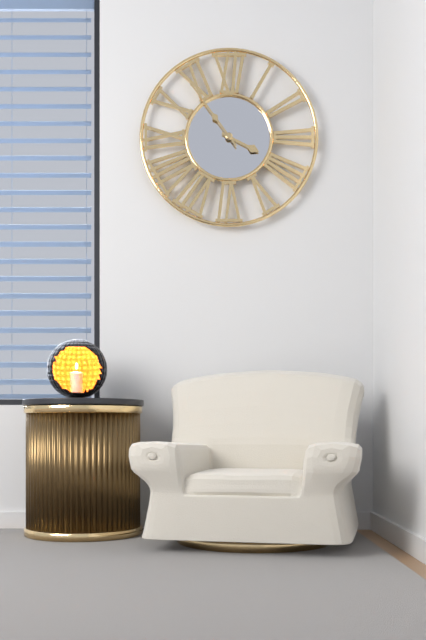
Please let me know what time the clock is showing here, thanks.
3:54
